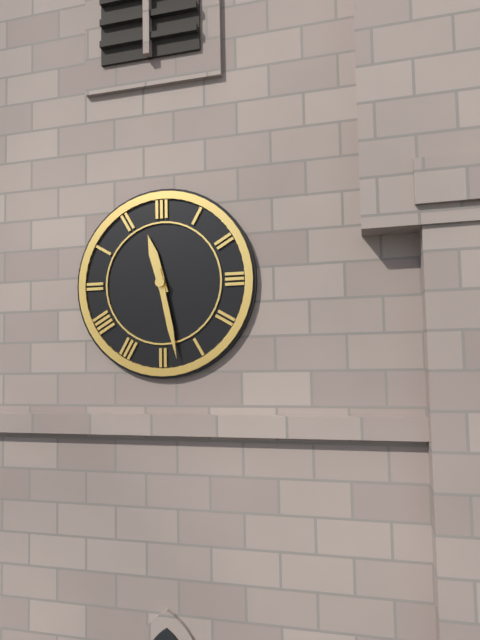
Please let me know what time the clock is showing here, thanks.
11:28
